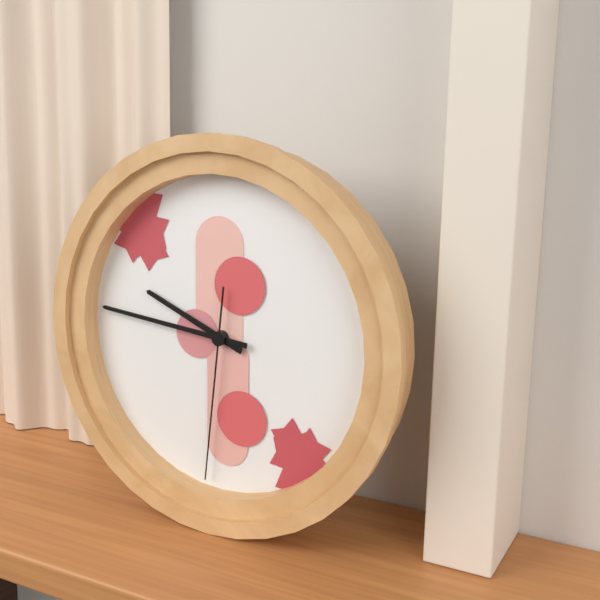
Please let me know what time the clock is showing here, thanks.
9:46:31
